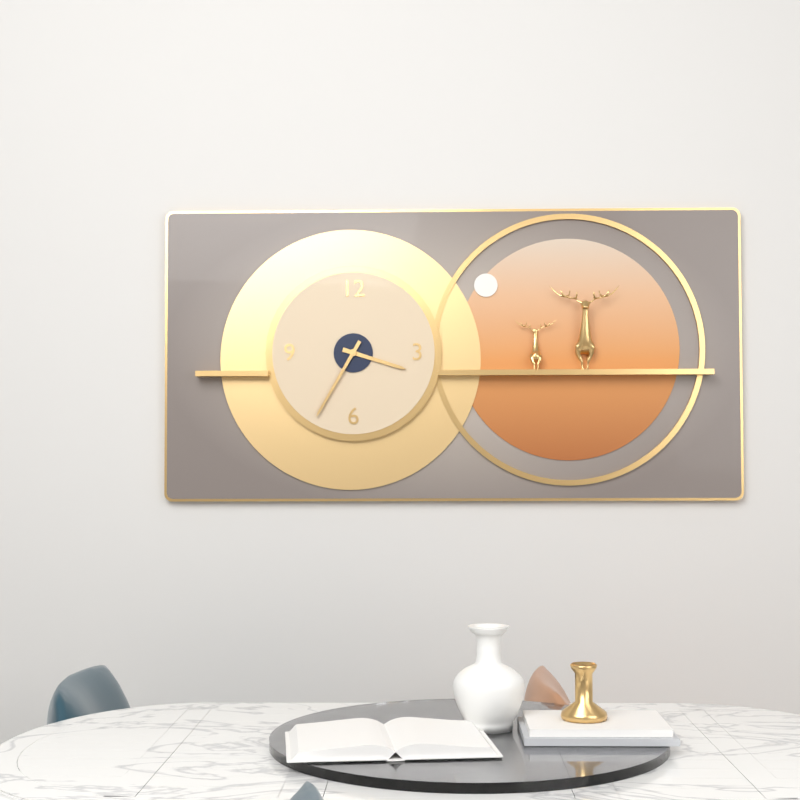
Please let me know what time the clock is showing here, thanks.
3:35
